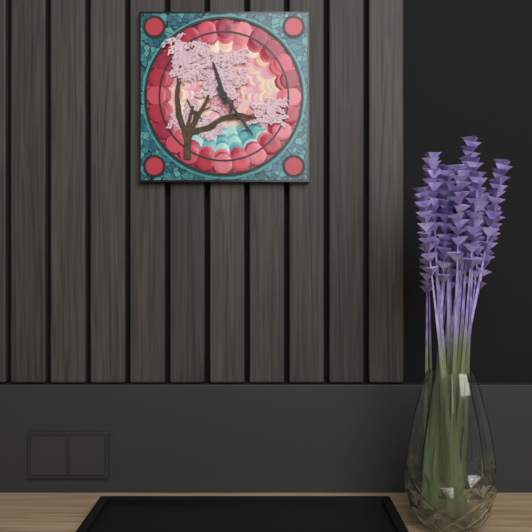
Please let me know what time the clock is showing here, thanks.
11:24
